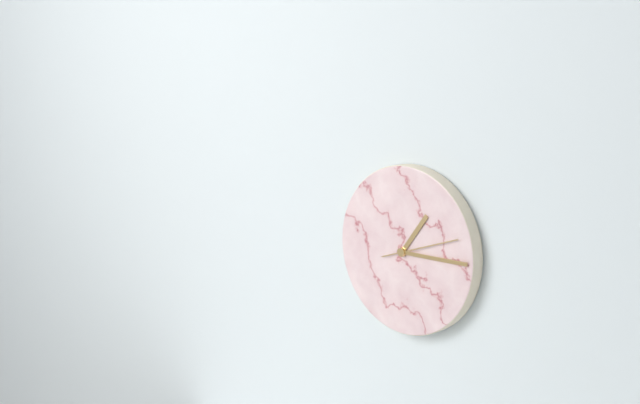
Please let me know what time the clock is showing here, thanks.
1:15:12
